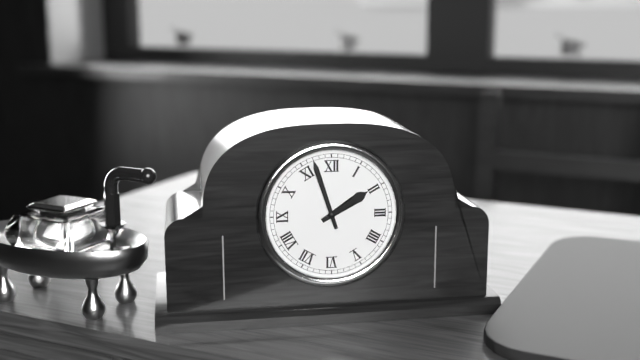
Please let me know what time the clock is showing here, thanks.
1:57
